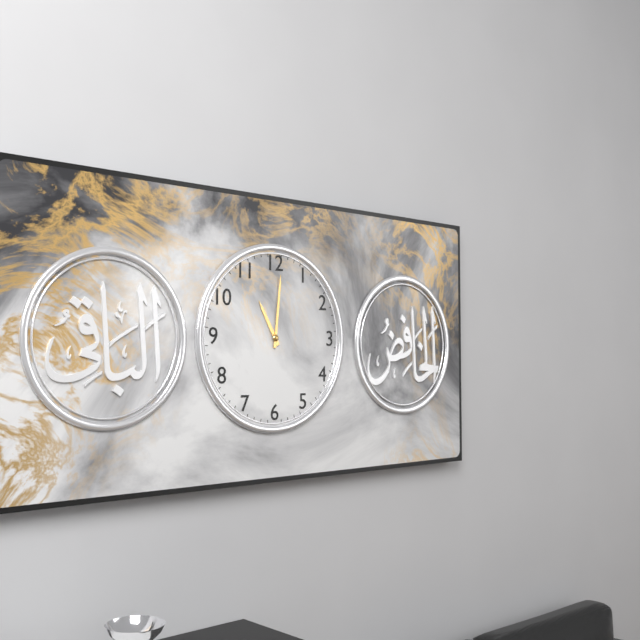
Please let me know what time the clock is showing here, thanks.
11:01
